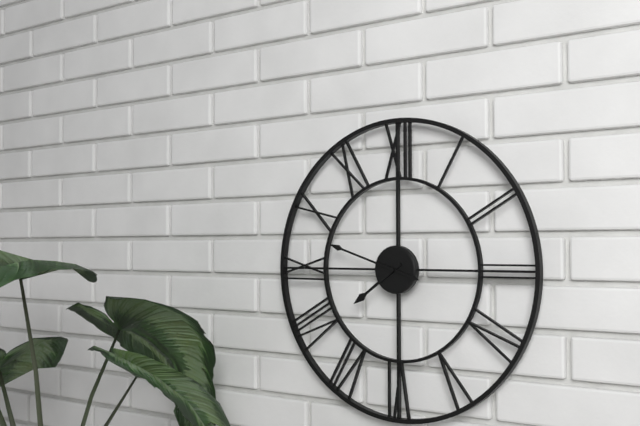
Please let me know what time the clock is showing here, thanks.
7:48
